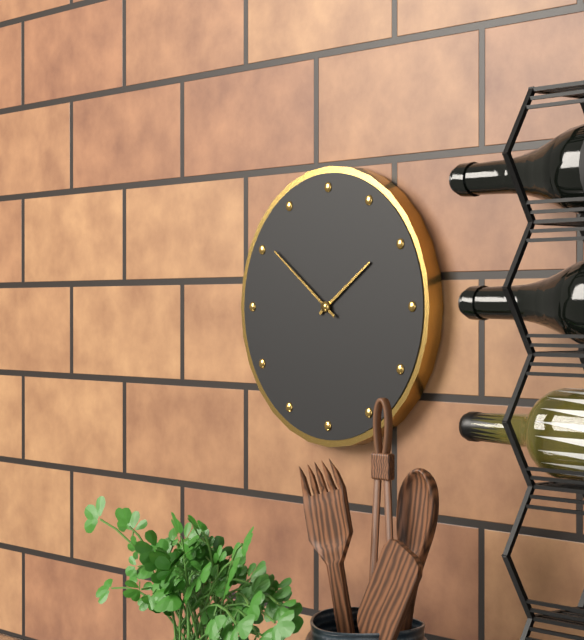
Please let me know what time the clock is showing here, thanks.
1:51
